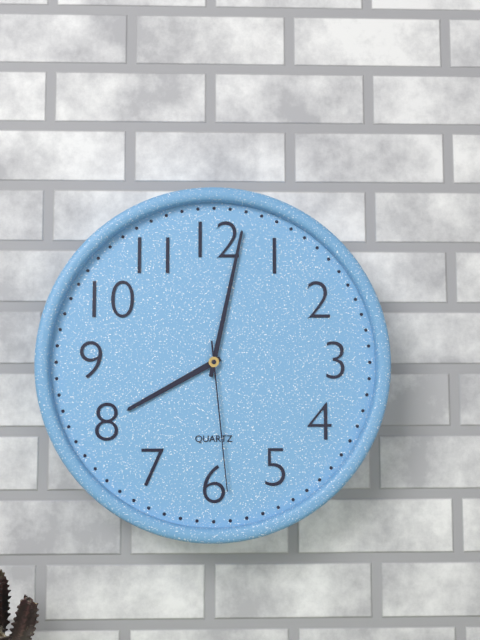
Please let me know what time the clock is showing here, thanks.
8:02:29
